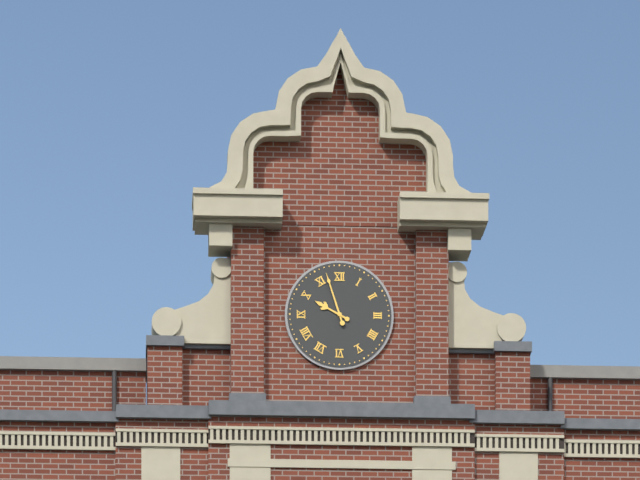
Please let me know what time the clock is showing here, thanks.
9:57
